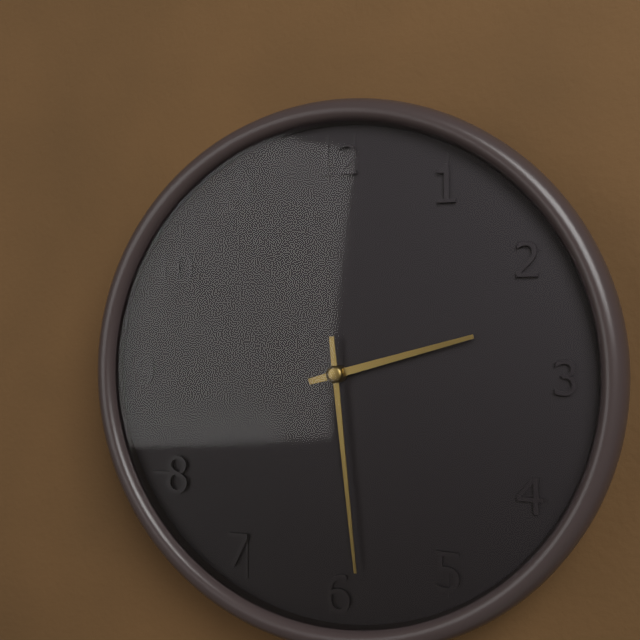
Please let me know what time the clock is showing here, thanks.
2:29
